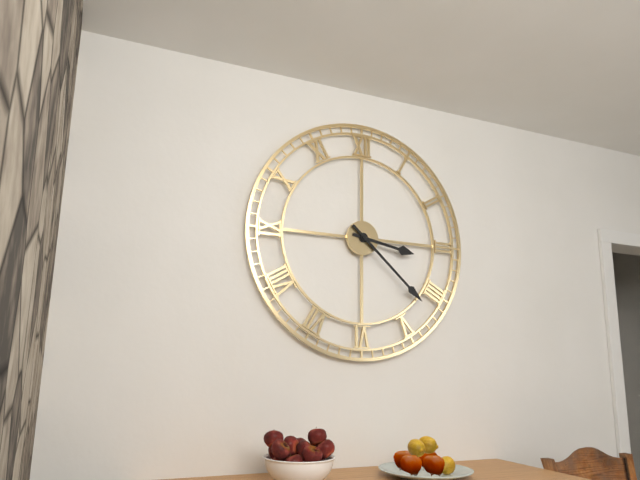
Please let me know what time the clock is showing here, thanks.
3:22
